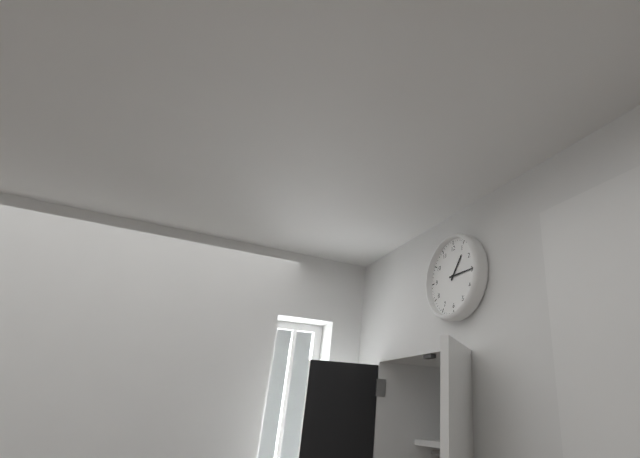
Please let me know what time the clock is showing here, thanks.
1:15
